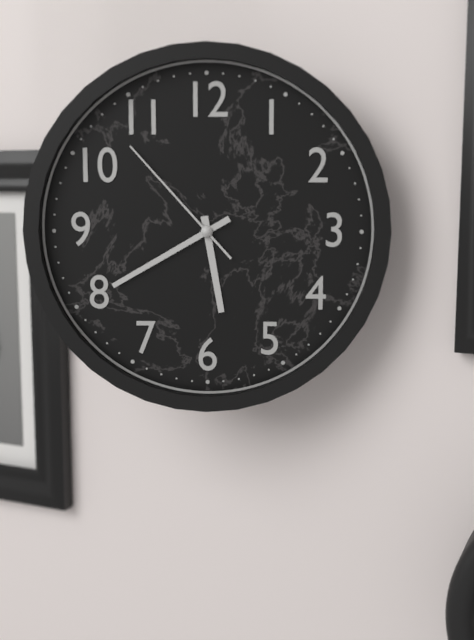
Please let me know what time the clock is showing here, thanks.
5:40:53
